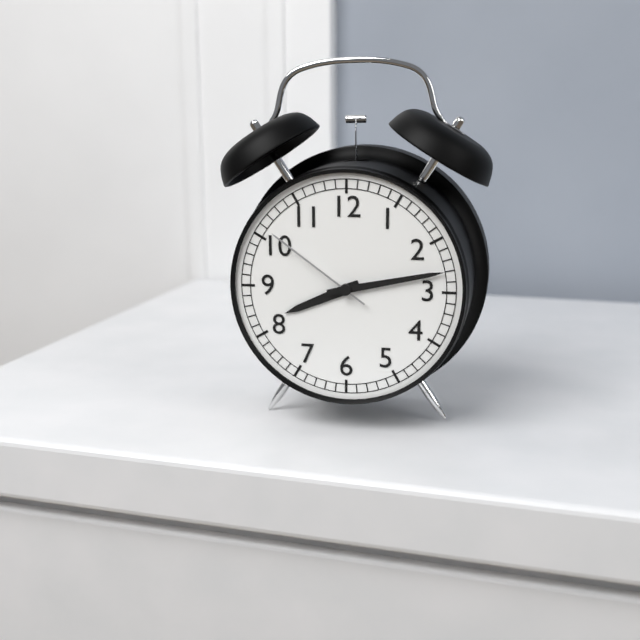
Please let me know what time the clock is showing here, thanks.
8:13:51
